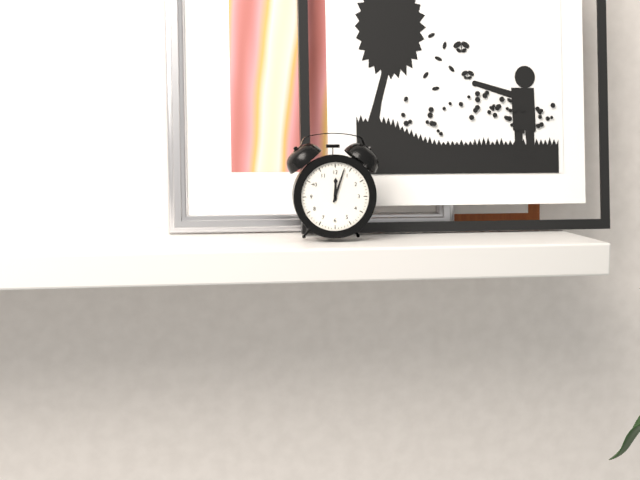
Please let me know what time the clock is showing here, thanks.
12:03
